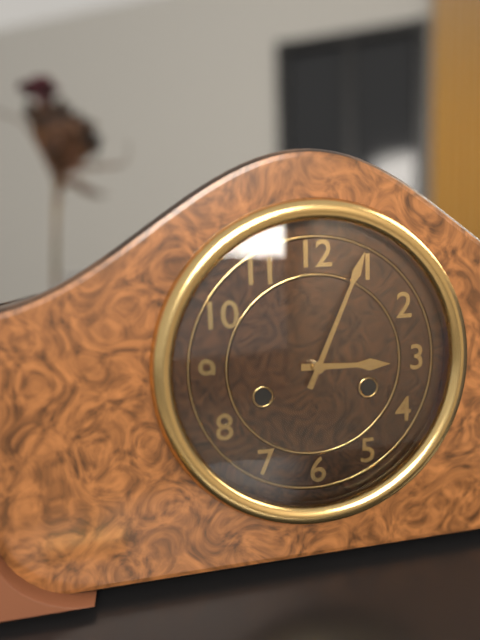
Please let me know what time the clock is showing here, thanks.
3:04
